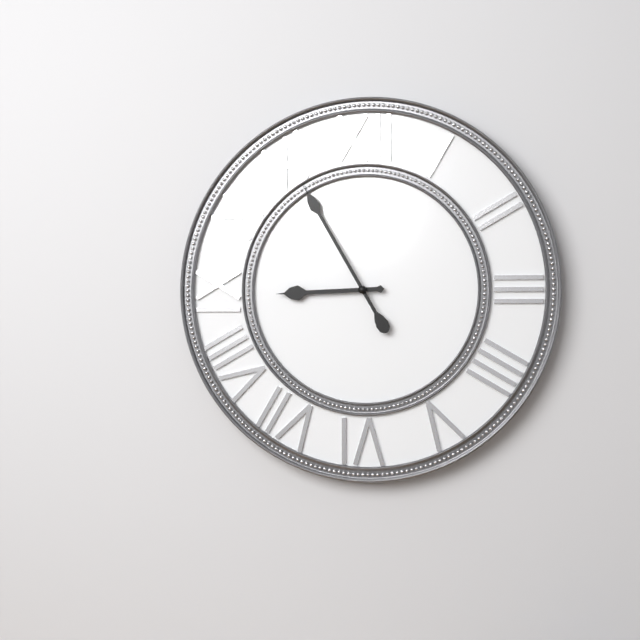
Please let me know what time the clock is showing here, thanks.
8:55
